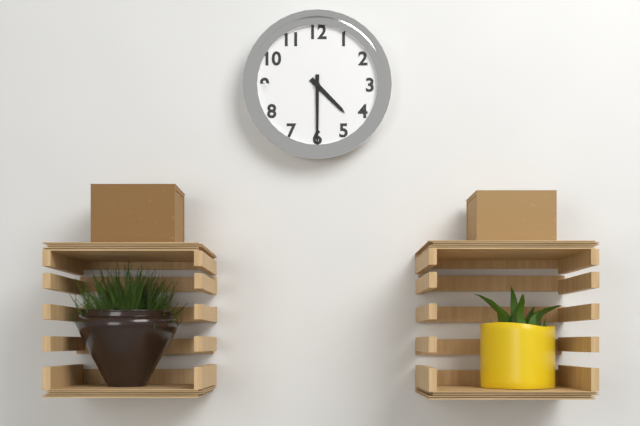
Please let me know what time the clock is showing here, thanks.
4:30
